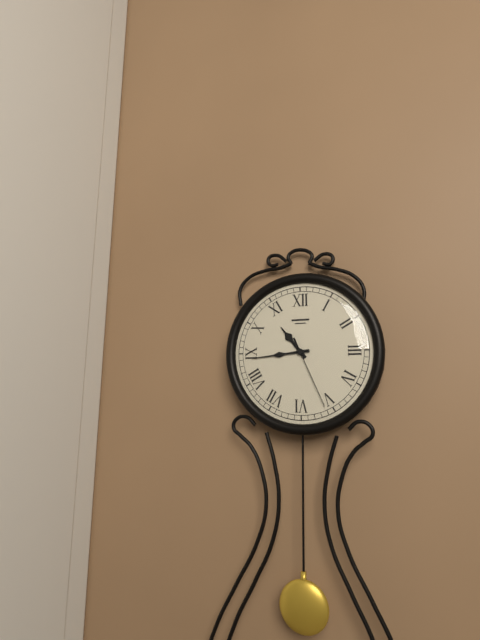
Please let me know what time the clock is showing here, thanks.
10:44:26
